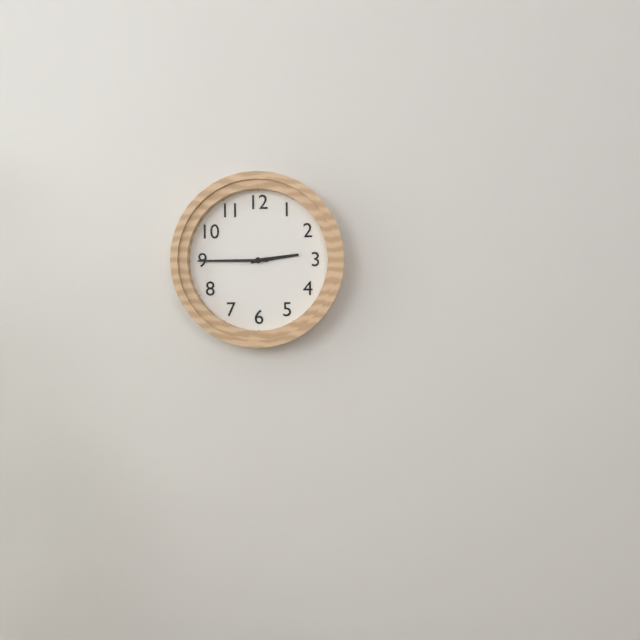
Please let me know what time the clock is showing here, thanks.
2:45
